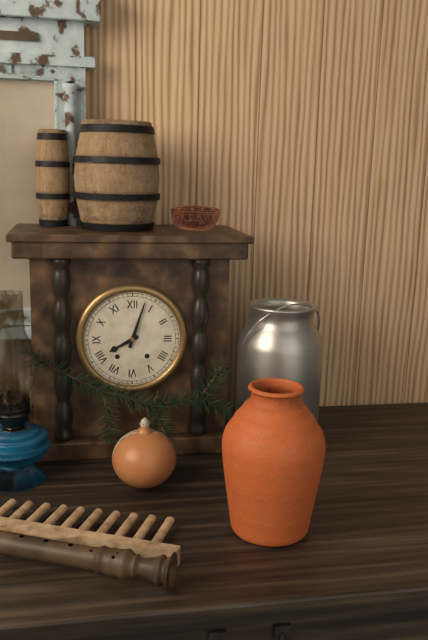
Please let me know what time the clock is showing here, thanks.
8:03
